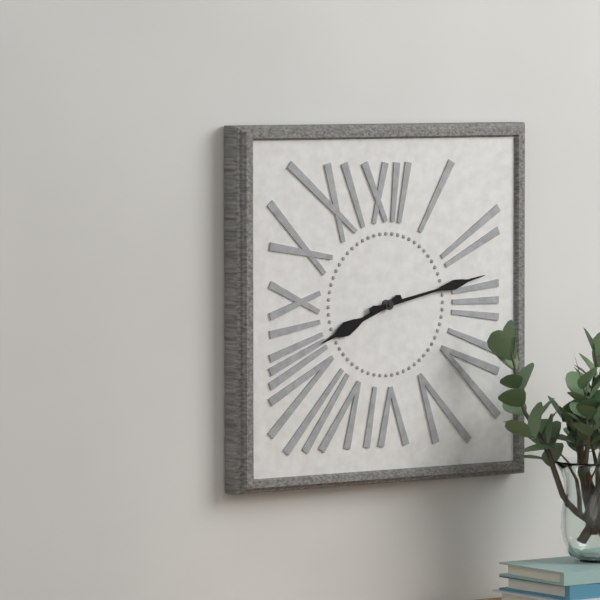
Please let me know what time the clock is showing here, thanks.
8:13
